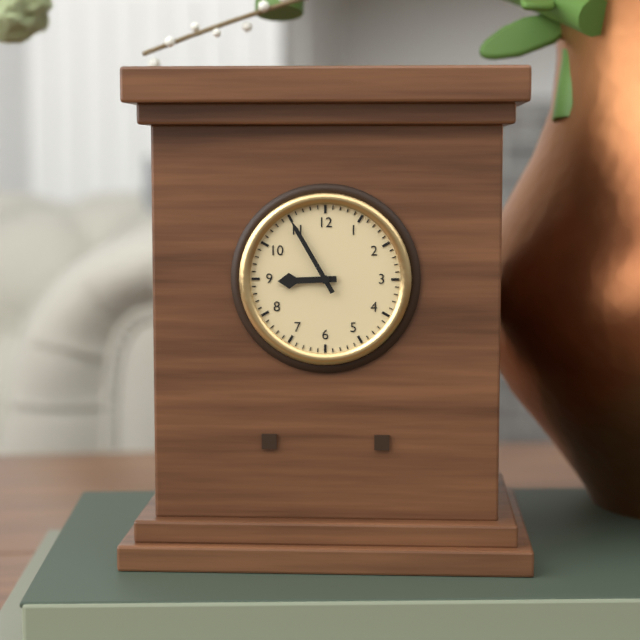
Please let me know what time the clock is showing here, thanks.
8:55
